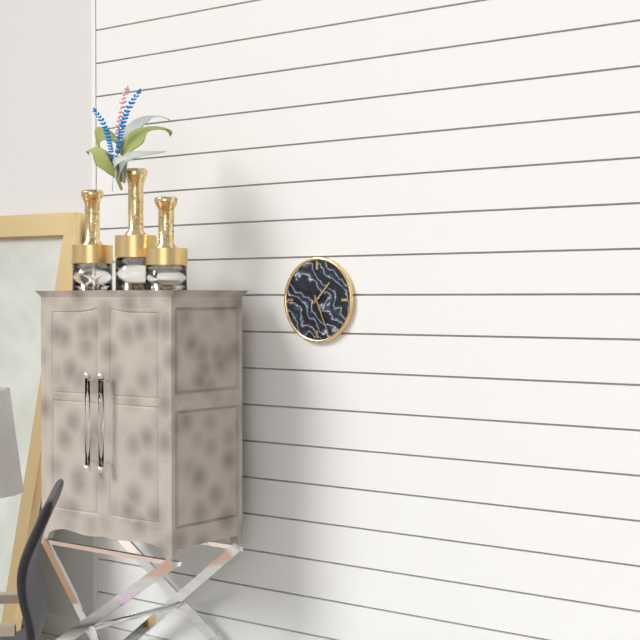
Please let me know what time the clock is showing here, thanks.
1:26
